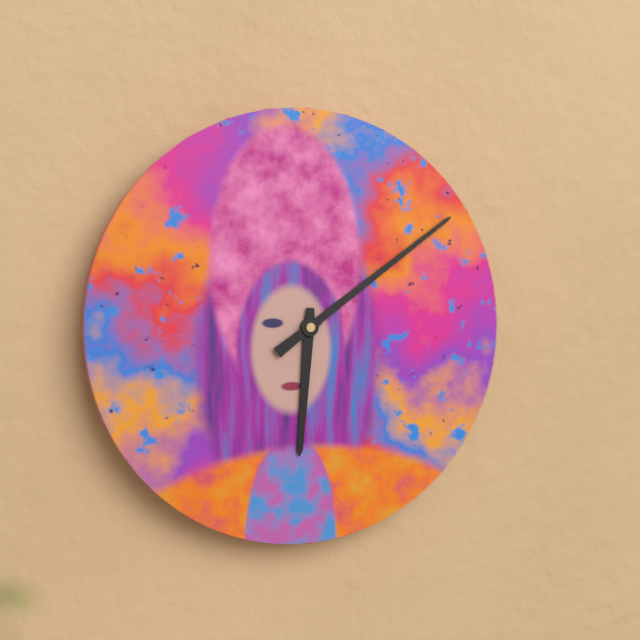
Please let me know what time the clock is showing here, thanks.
6:09
